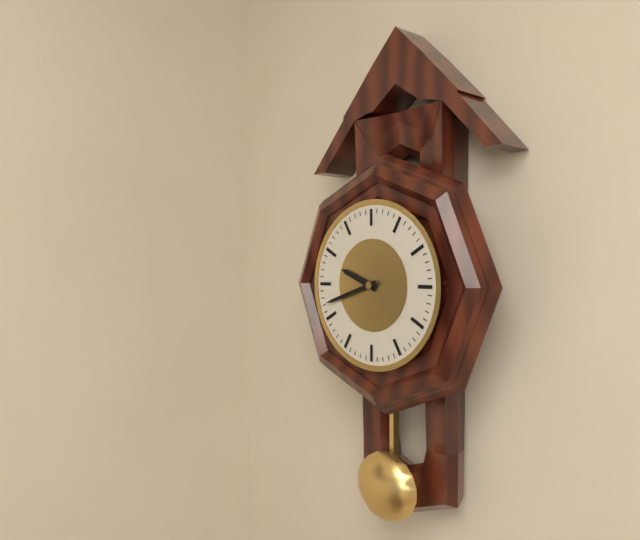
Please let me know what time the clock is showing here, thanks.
9:42
